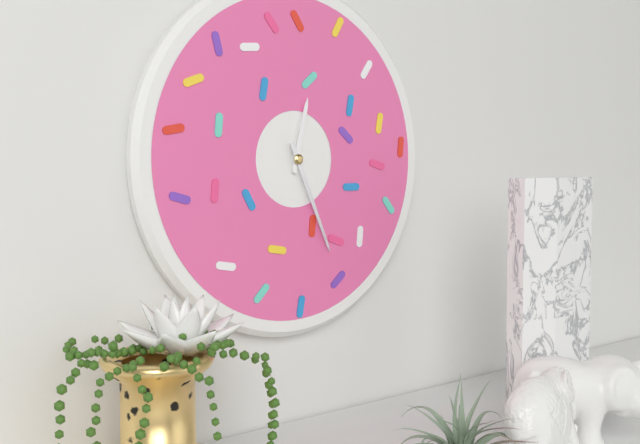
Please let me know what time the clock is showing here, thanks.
12:26
